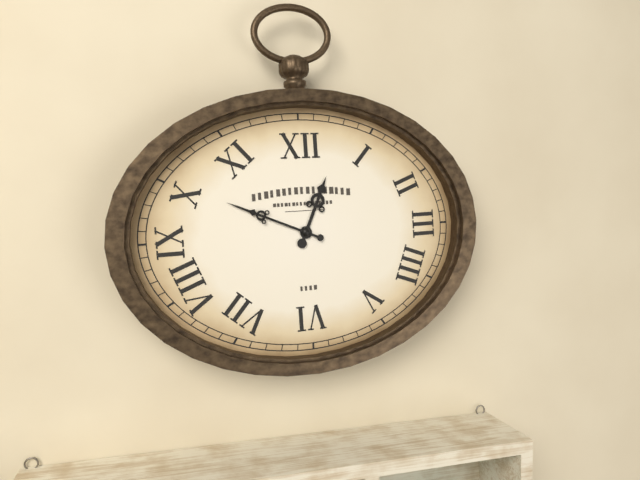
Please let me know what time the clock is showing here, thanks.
12:49
